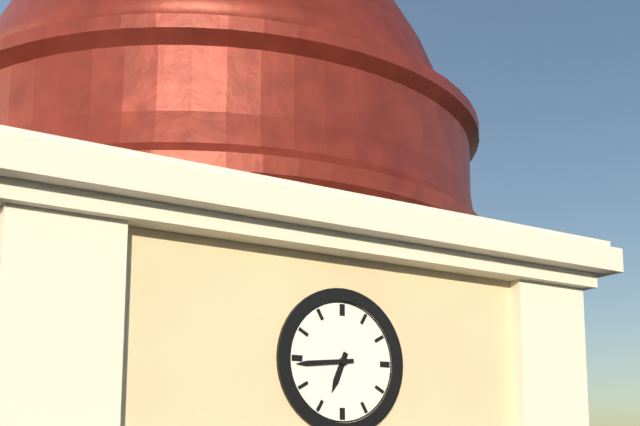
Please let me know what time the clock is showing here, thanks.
6:44
